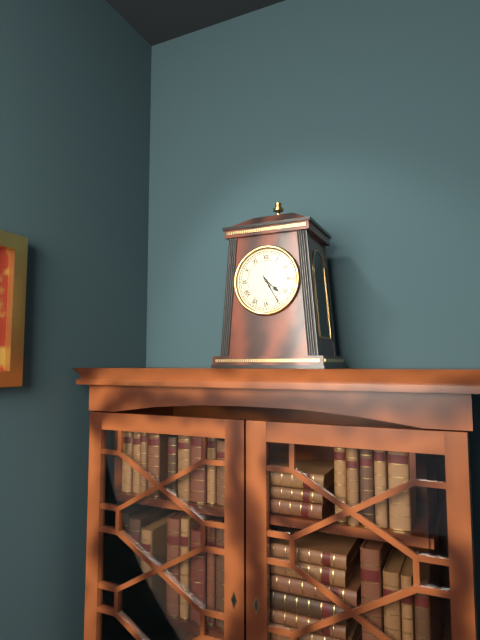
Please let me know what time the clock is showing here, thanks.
4:25
